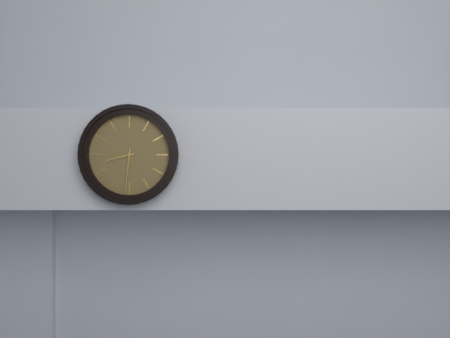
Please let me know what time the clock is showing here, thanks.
8:31
